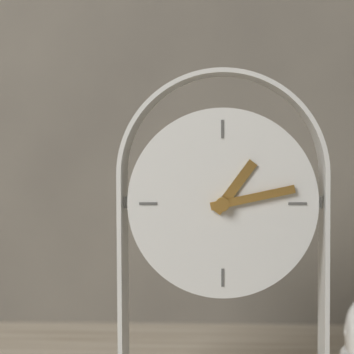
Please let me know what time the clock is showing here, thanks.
1:13
